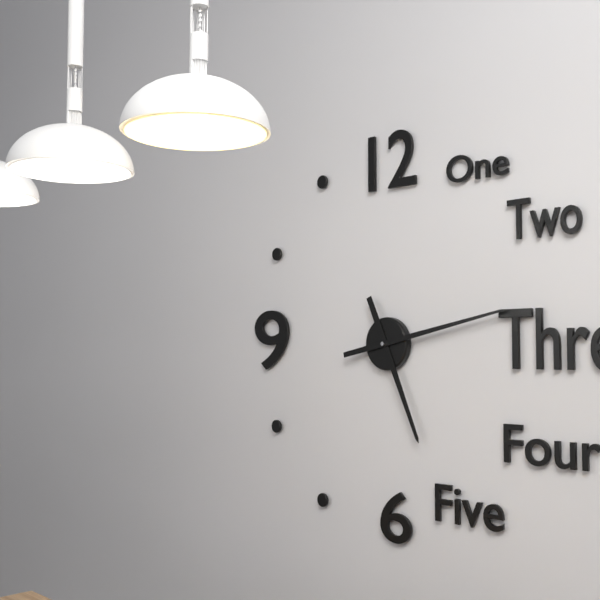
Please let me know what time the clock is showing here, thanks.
5:13
